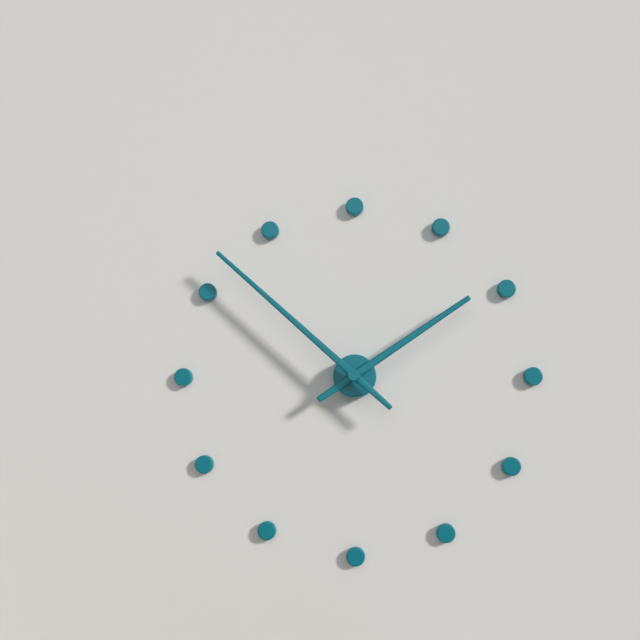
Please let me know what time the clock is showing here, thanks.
1:52
